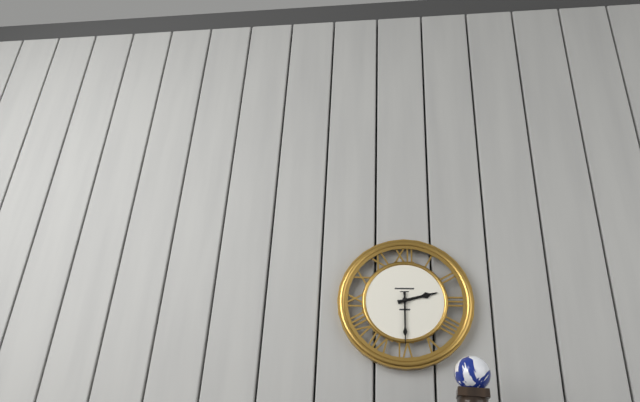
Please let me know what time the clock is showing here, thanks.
2:30
